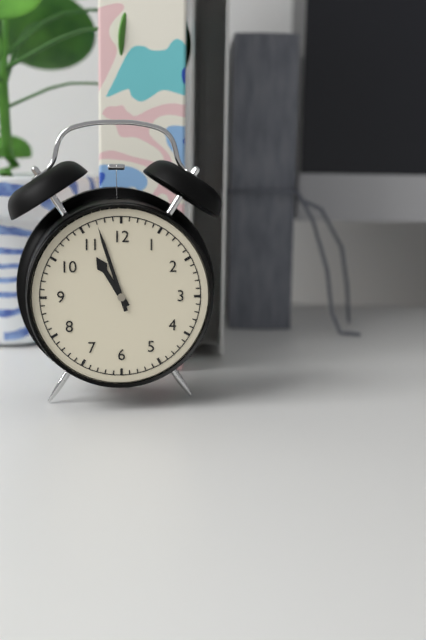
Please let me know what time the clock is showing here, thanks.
10:57
